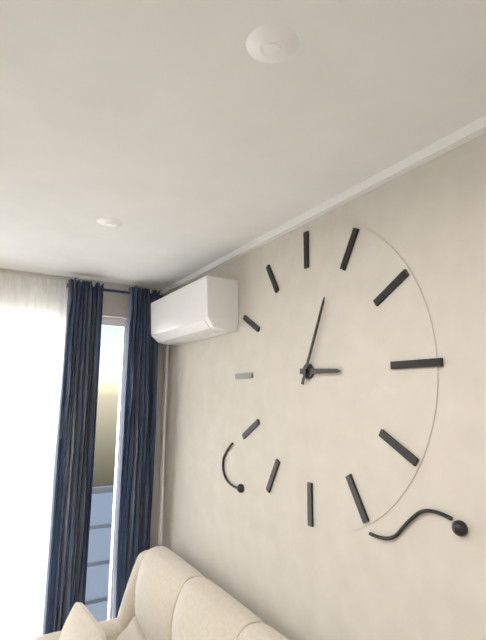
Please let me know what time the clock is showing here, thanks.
3:04
